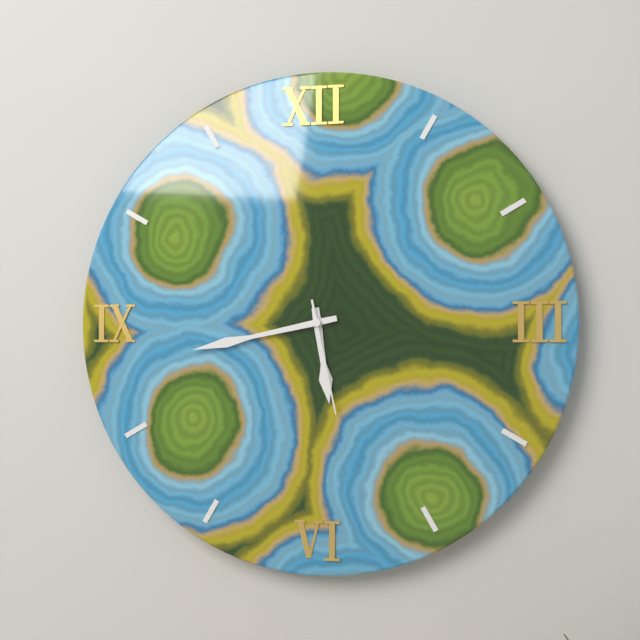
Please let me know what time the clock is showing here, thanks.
5:43:28
